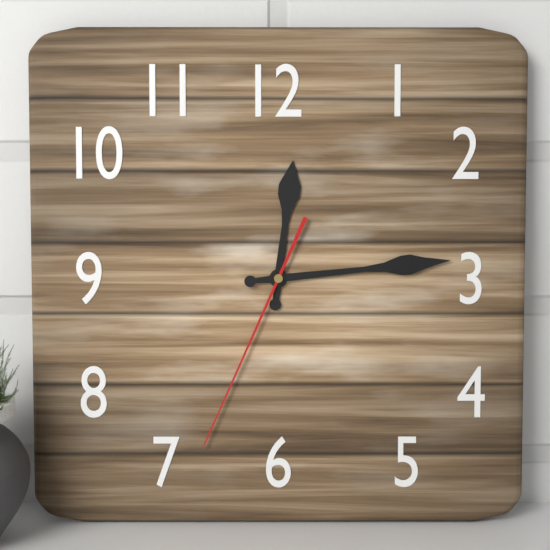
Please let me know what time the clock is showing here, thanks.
12:14:34
